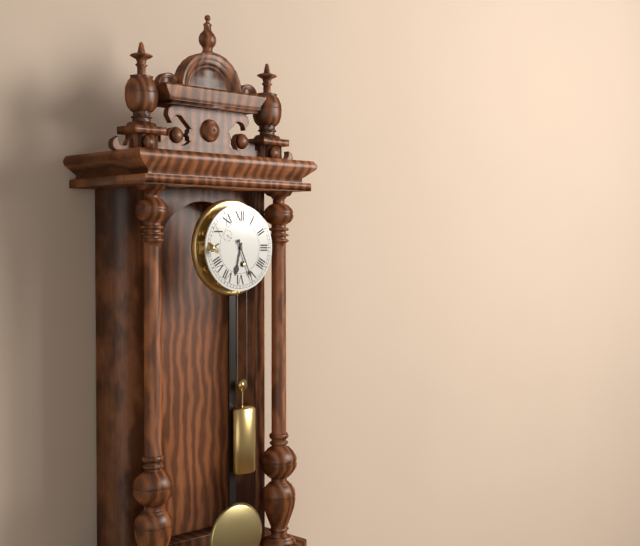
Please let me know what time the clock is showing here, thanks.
6:26
